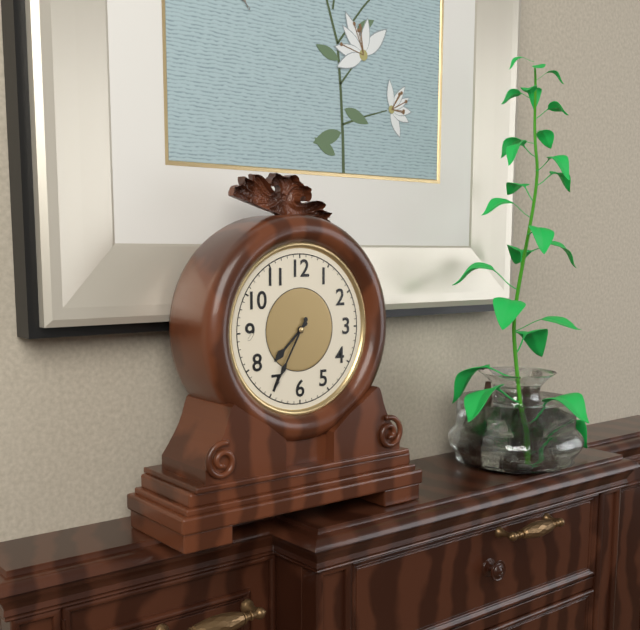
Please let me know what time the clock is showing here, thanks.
7:35
